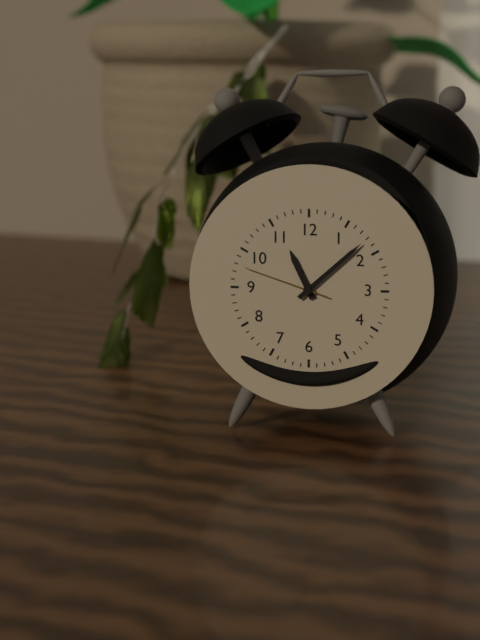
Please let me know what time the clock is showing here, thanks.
11:08:48
